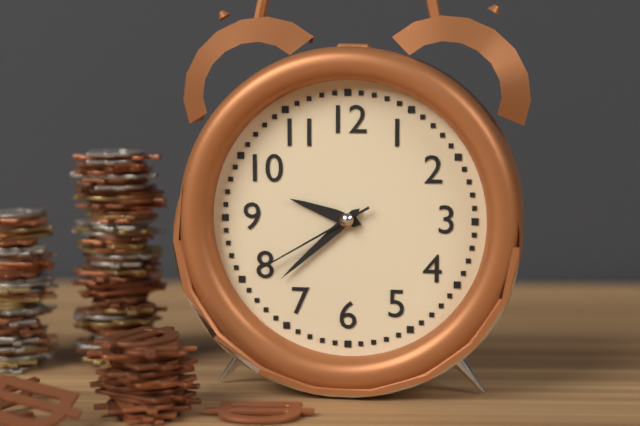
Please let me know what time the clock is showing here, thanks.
9:38:40
